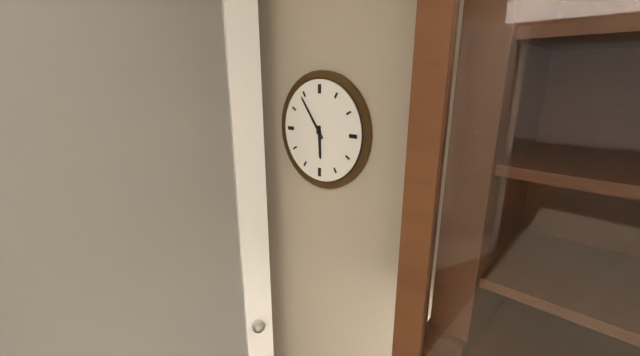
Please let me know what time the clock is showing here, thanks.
5:54
